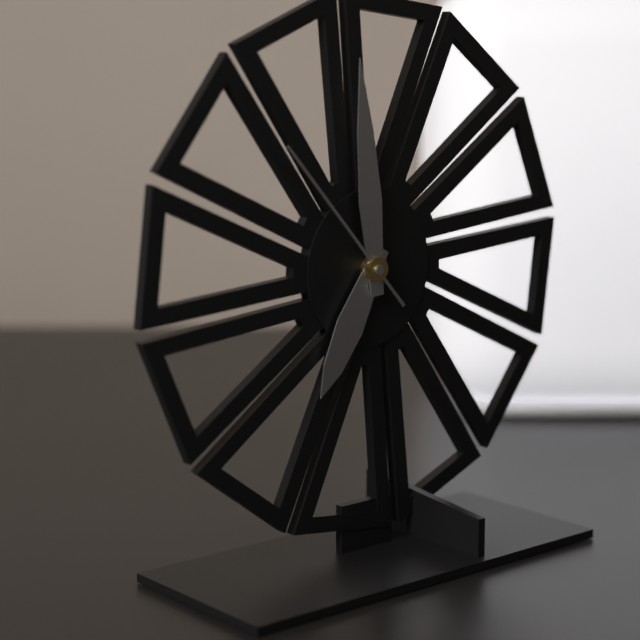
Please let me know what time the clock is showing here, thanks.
6:59:53
